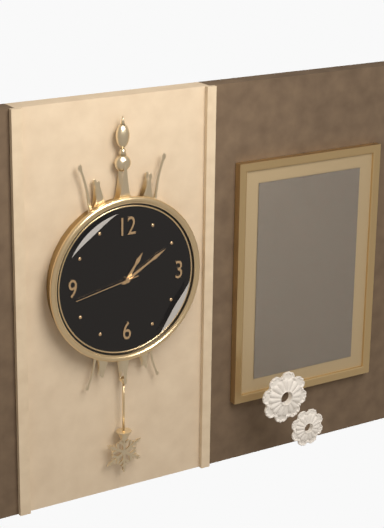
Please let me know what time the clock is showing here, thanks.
1:10:43
